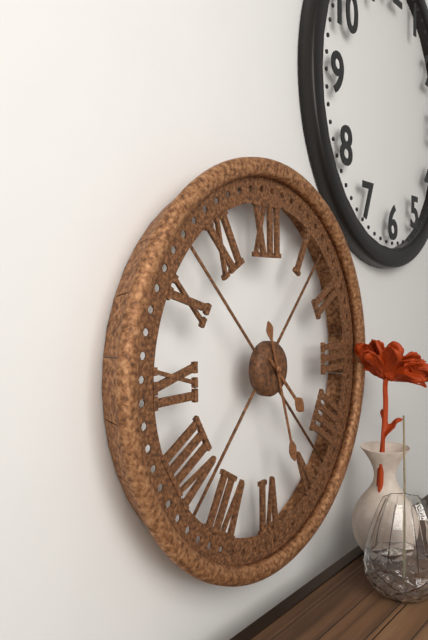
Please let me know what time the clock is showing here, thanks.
4:27
